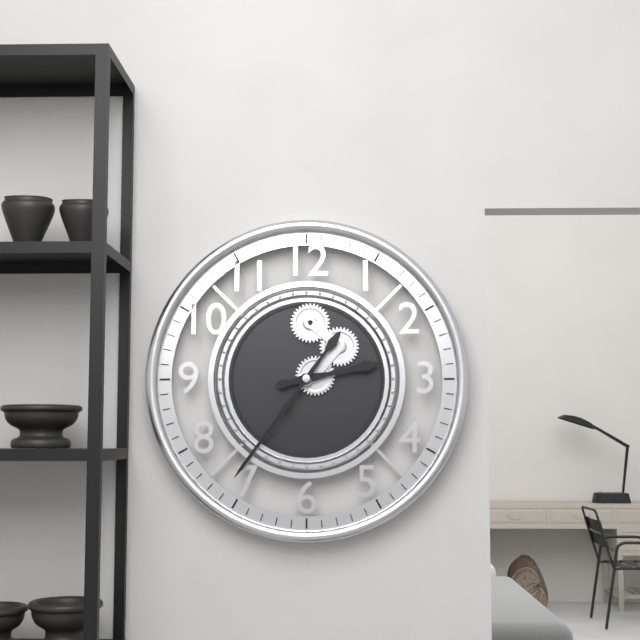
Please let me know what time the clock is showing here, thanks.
2:36
